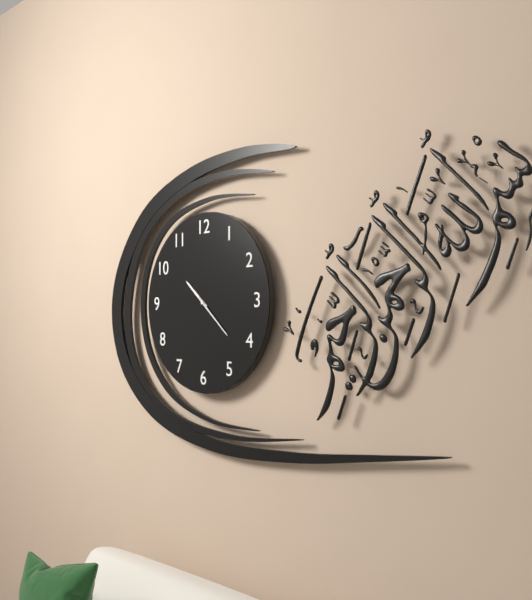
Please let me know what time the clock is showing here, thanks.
10:22
